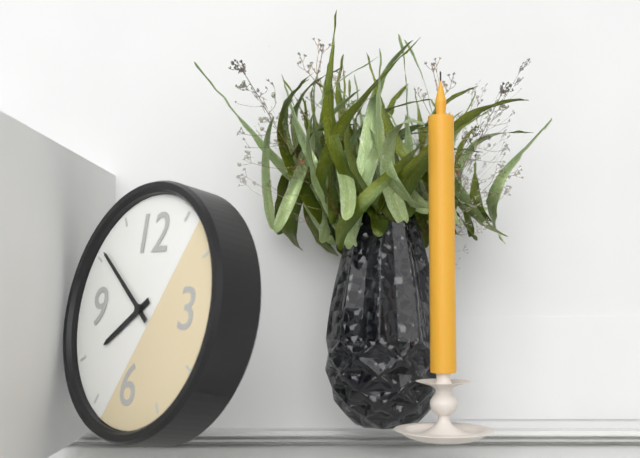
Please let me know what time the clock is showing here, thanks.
7:51
